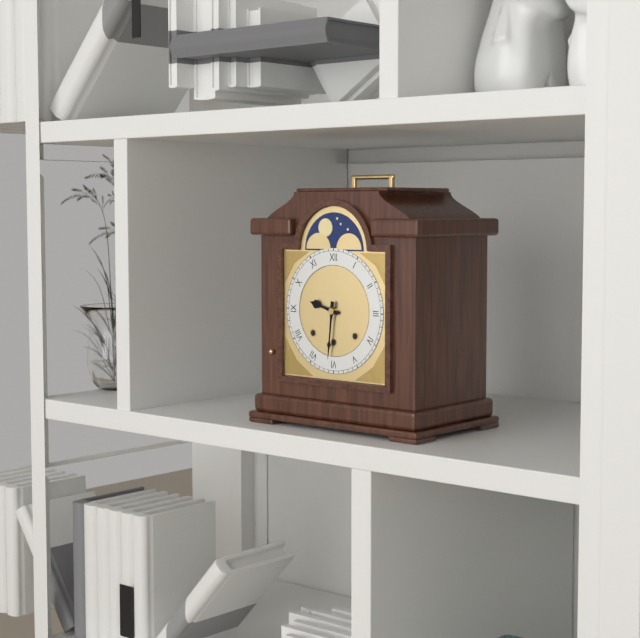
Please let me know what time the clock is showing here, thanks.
9:31
